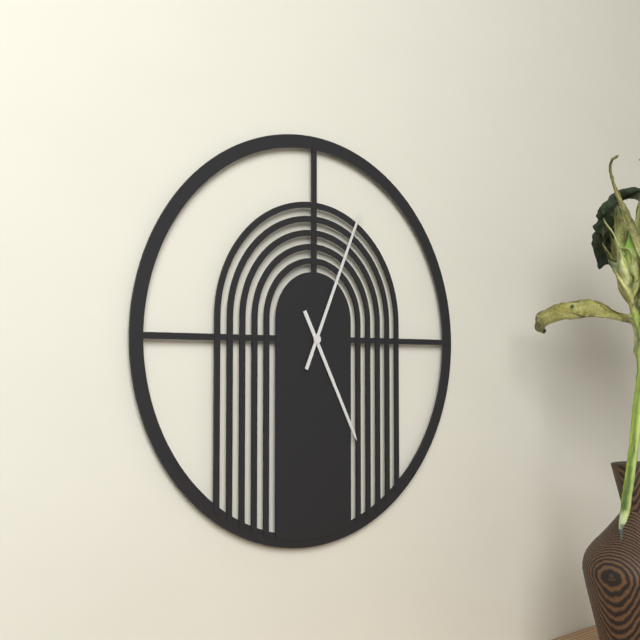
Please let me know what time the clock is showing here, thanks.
5:04
